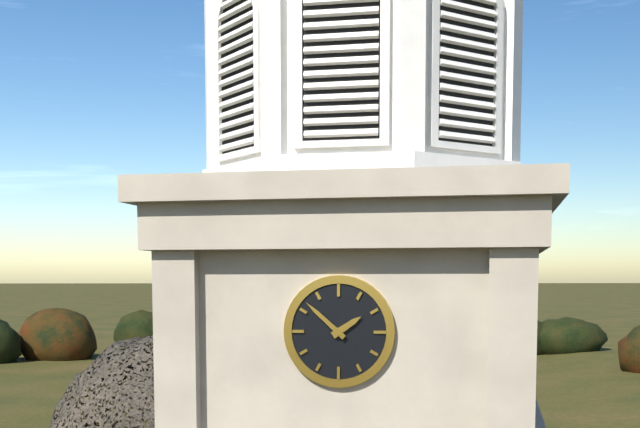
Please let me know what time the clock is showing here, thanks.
1:52
